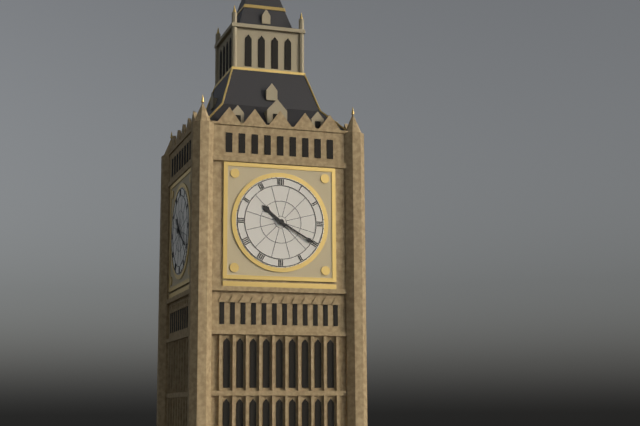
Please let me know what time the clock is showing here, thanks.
10:20
